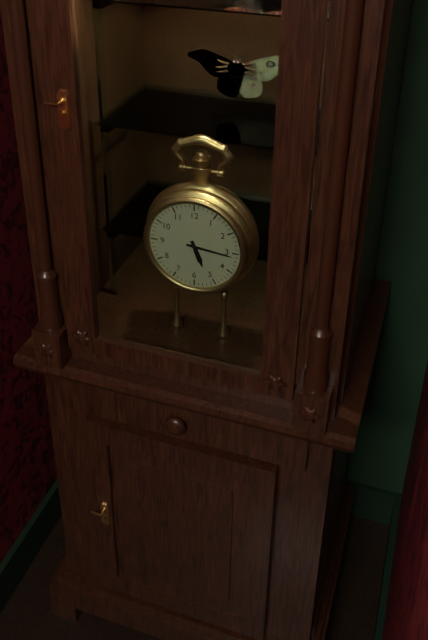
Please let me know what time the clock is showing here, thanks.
5:16
